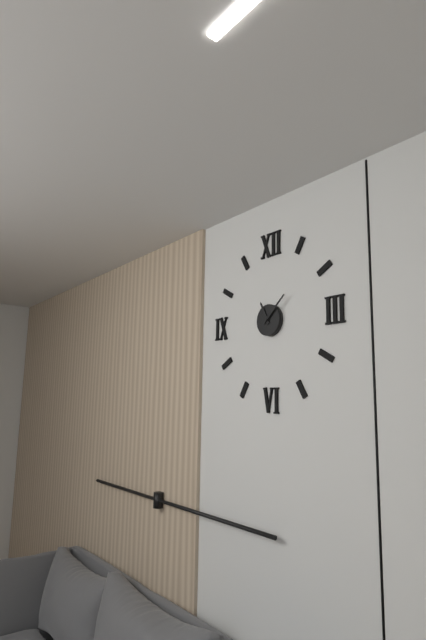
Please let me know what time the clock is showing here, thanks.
11:08
